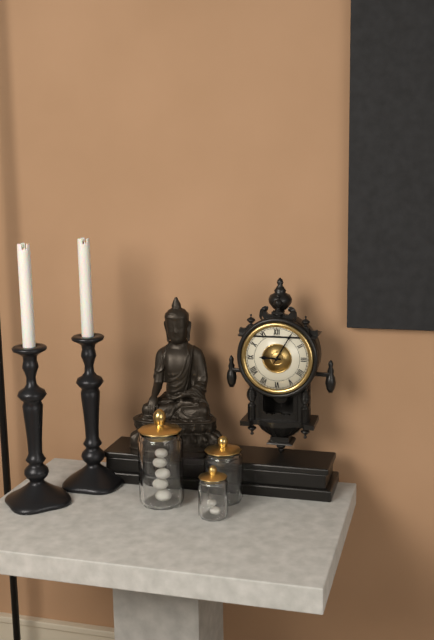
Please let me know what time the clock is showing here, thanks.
9:05
